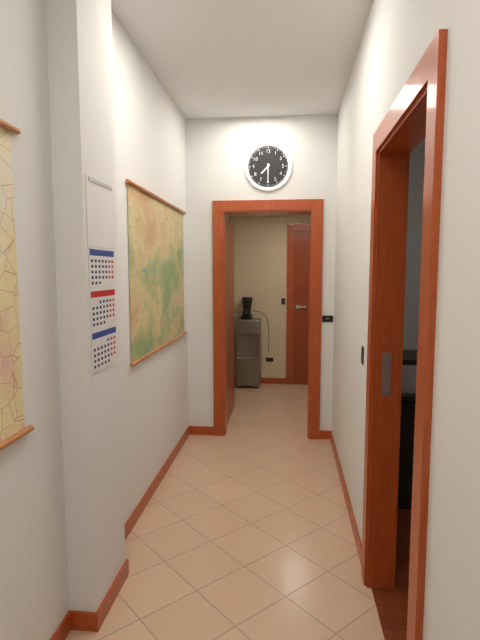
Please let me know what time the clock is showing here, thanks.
7:30
